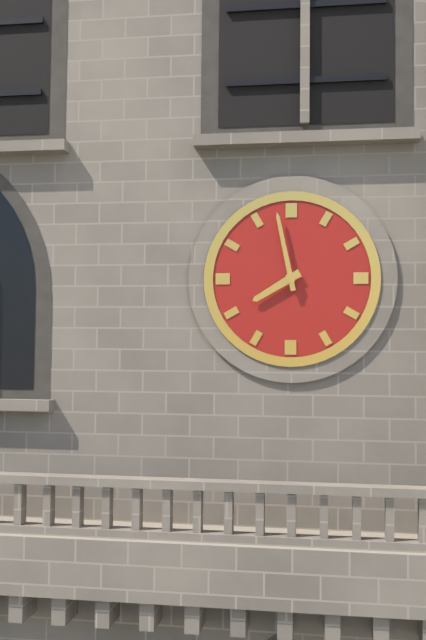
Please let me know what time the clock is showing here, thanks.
7:58
